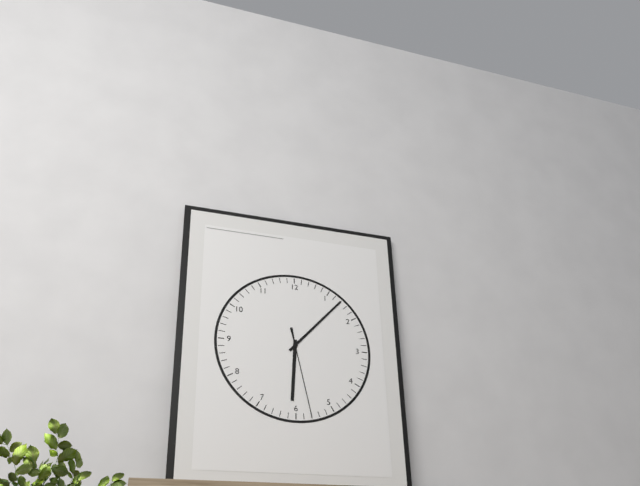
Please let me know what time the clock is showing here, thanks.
6:07:28
